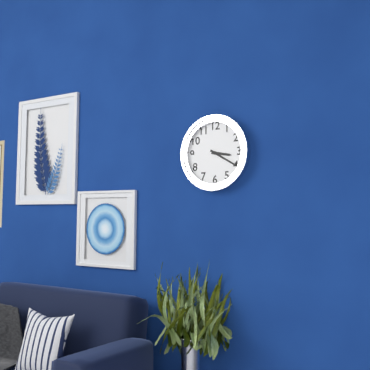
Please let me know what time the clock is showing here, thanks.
3:20
